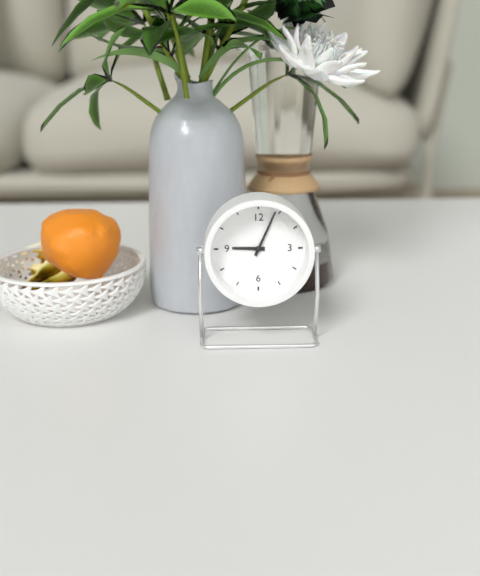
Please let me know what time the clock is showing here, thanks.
9:04
